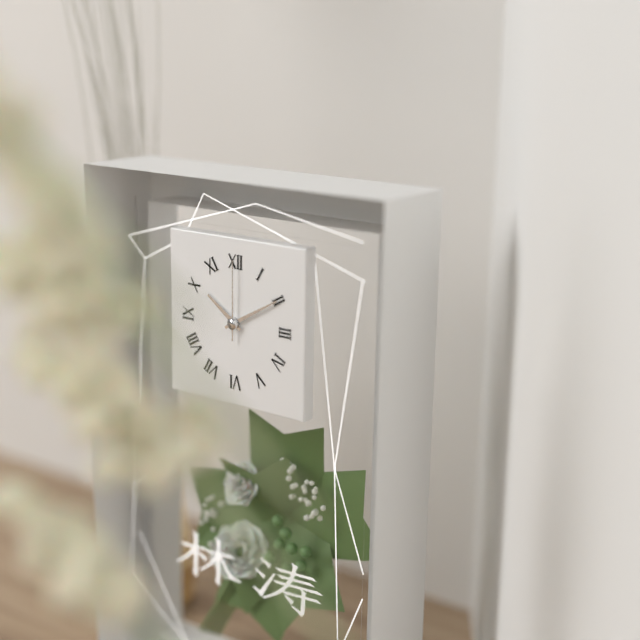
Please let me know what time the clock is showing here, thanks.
10:10:00
